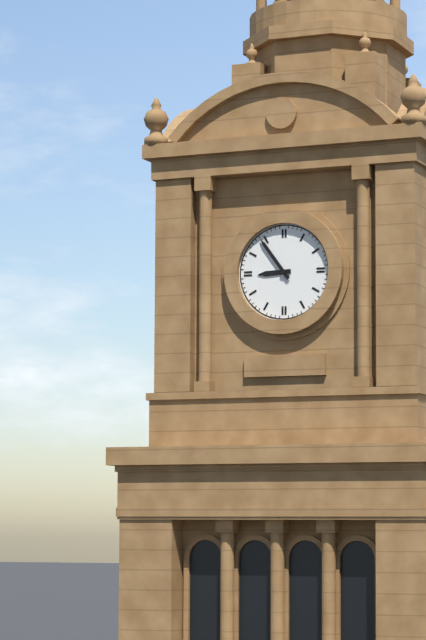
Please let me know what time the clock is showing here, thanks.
8:54
